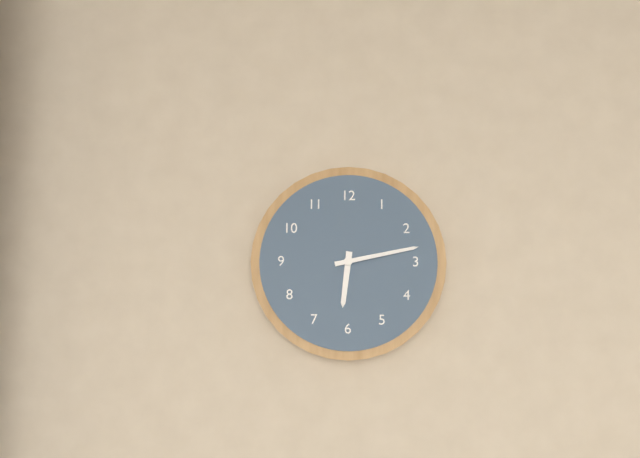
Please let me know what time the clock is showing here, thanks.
6:13
